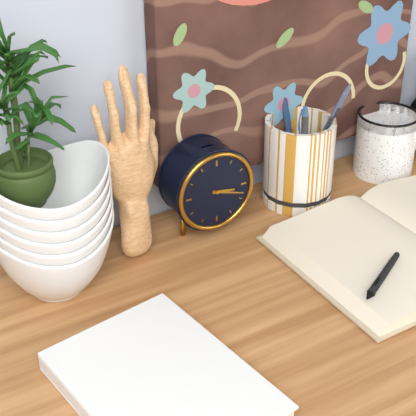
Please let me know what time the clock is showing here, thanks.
3:18
